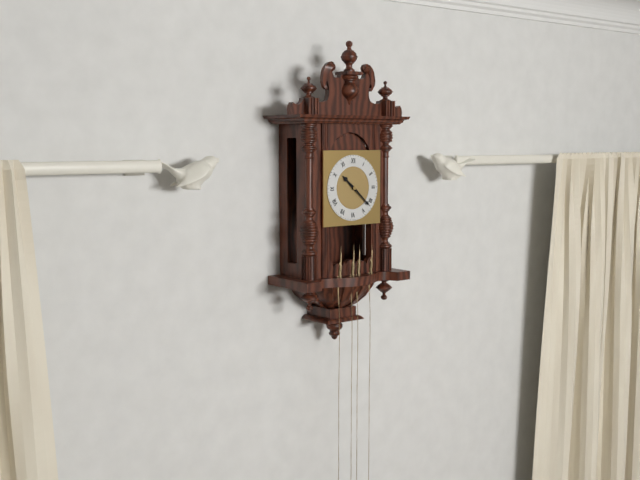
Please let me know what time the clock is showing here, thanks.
10:22
